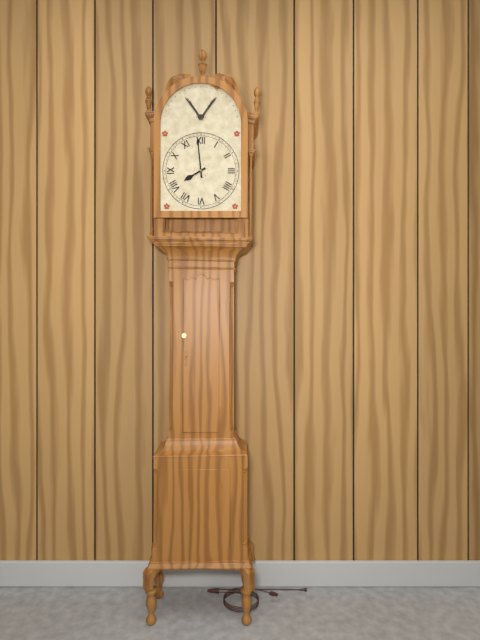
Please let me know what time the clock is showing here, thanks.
7:59
